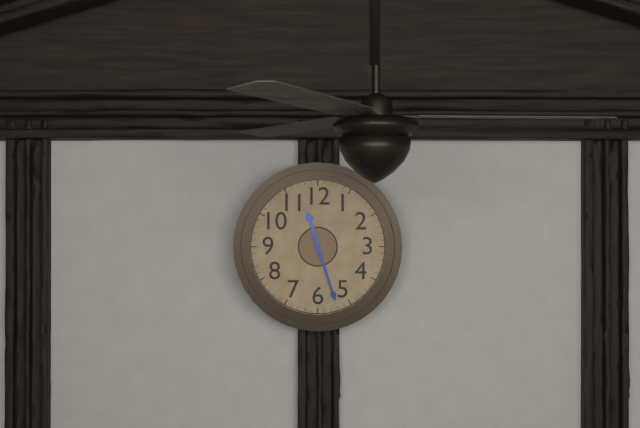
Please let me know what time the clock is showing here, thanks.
11:27
